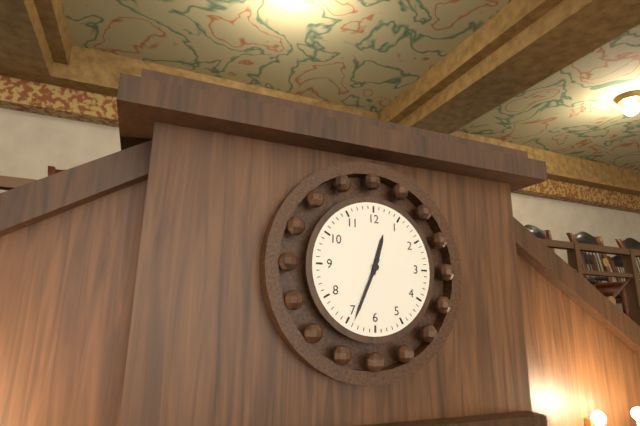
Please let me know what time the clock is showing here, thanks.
12:34
